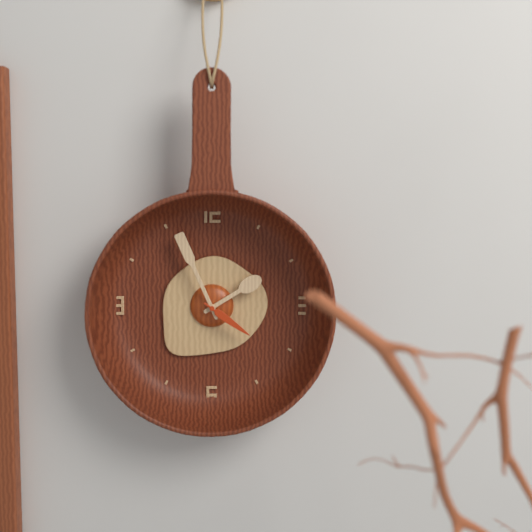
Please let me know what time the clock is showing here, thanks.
1:56:21
